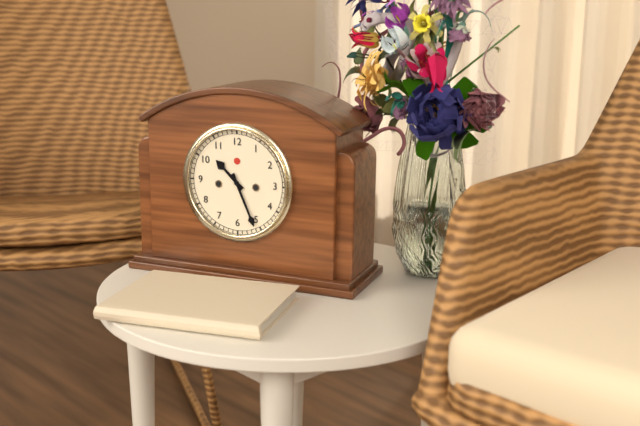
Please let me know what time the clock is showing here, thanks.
10:26
